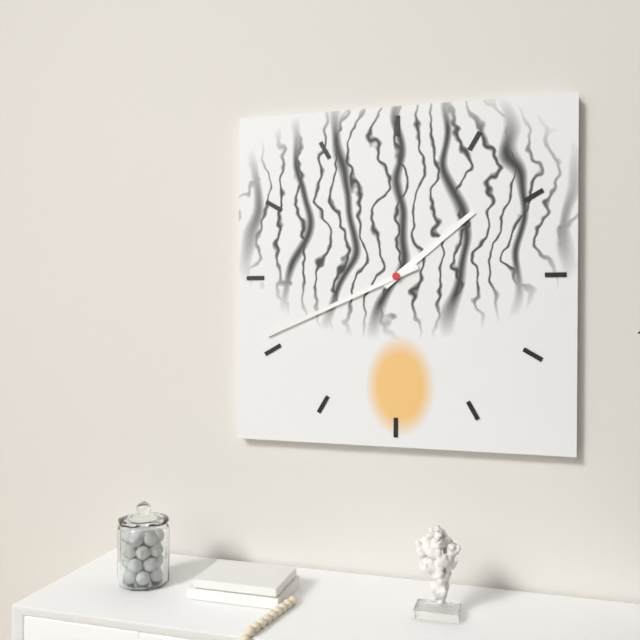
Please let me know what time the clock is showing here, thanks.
1:41
